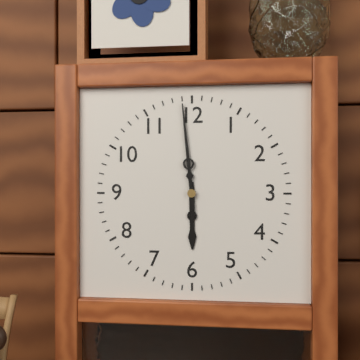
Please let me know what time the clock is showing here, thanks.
5:59
